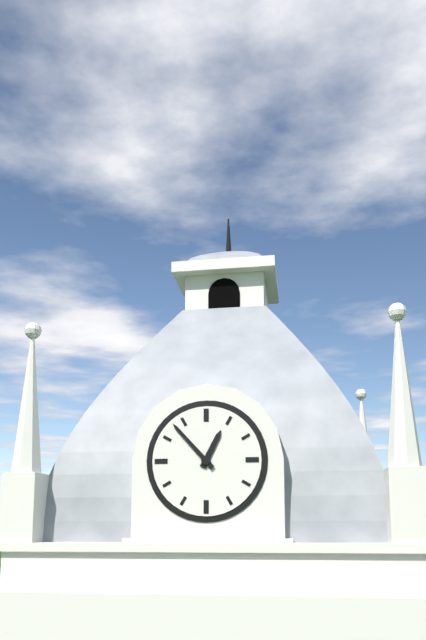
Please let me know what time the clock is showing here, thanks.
12:53
